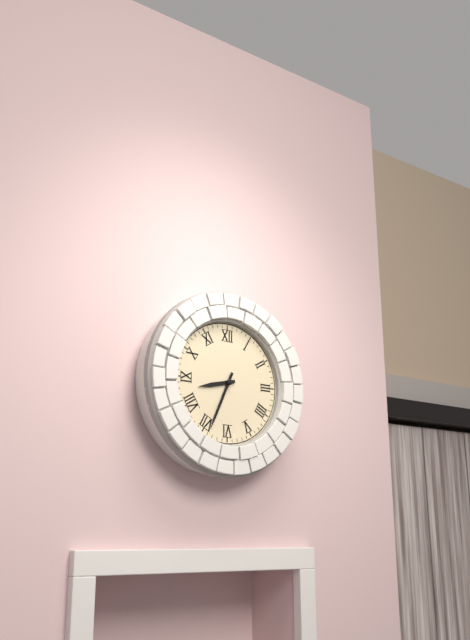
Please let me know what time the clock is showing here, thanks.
8:34
